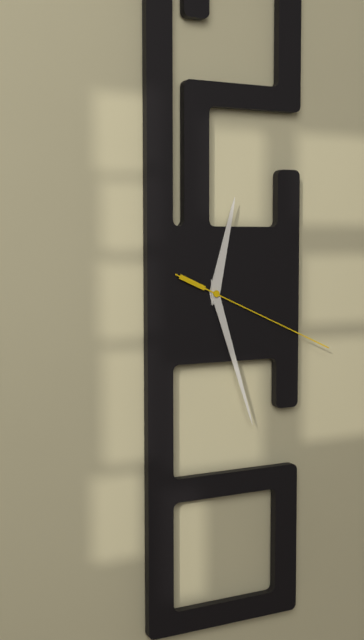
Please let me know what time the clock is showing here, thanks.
12:27:19
